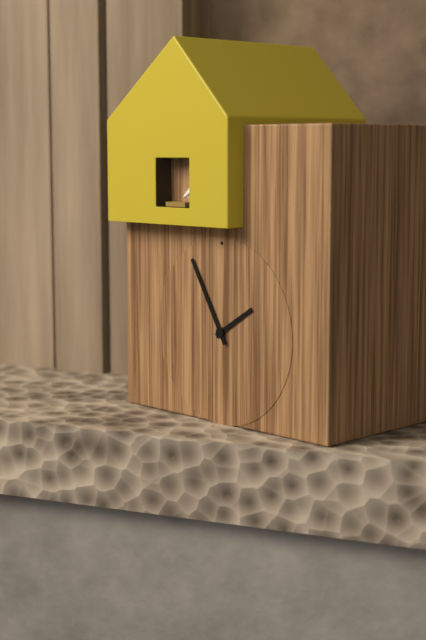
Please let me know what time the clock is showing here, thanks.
1:55
